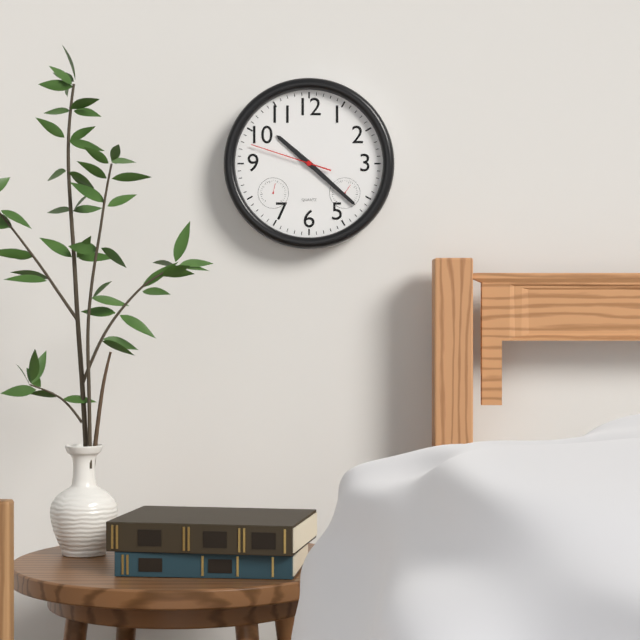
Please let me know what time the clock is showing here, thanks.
10:22:48
